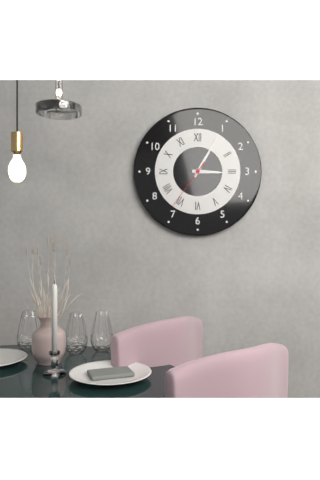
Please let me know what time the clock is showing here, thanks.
3:05:36
